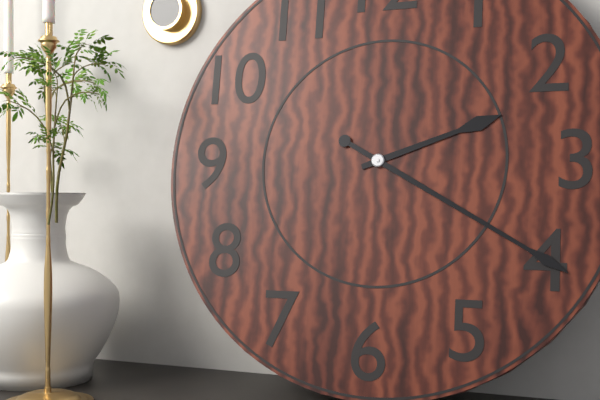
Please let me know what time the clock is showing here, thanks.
2:20
